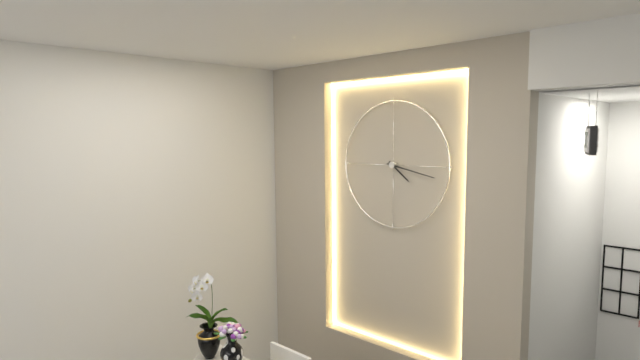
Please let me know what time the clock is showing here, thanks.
4:17
